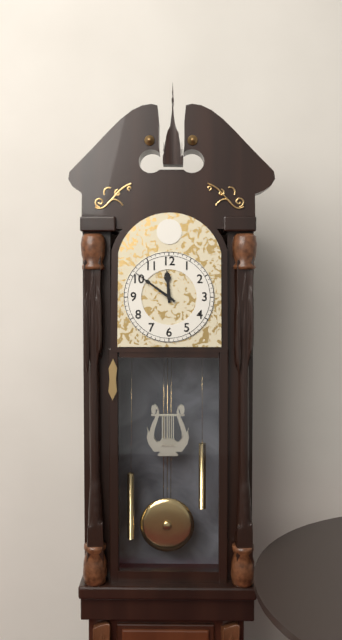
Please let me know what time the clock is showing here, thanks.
11:51
